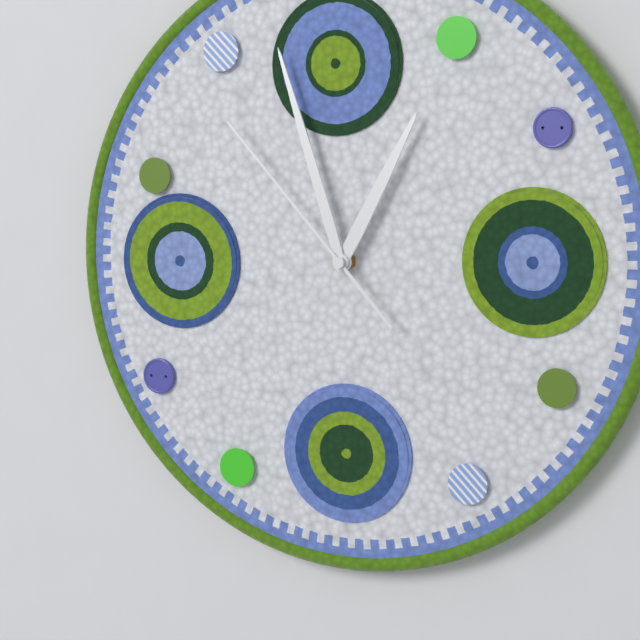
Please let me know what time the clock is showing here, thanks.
12:57:53
